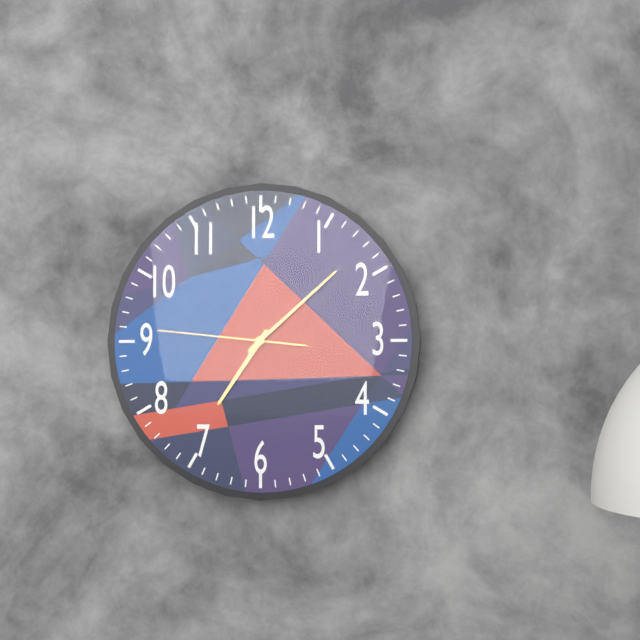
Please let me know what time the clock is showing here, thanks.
7:08:46
